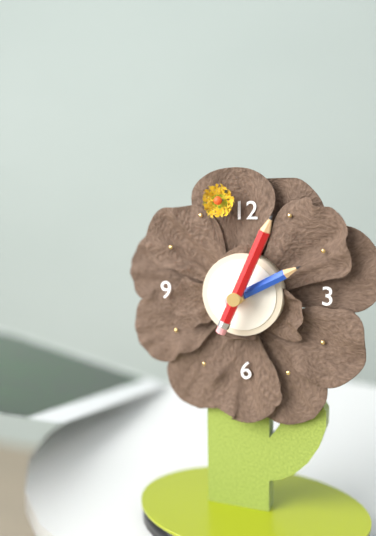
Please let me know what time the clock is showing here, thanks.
2:04
